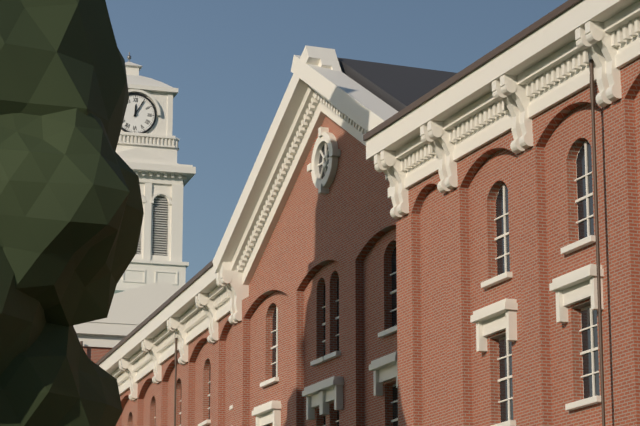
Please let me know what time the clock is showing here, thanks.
12:05
